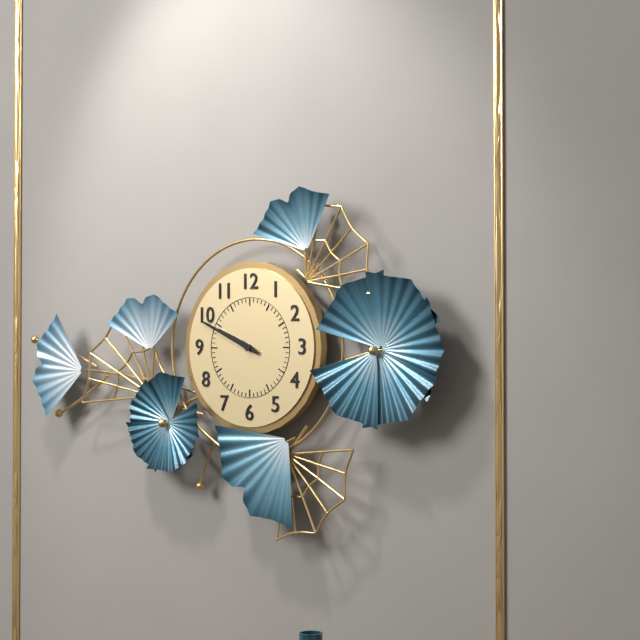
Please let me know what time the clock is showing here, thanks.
9:49
